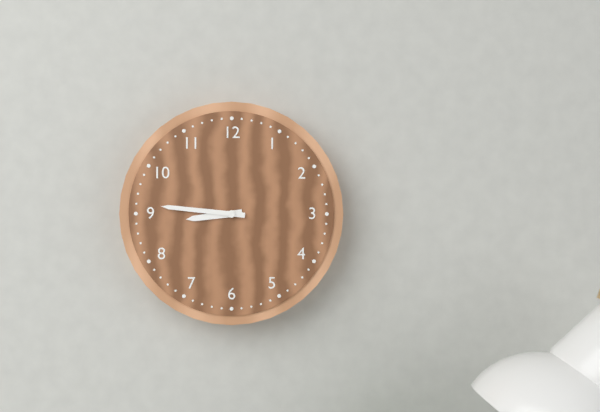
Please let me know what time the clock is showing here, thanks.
8:46
